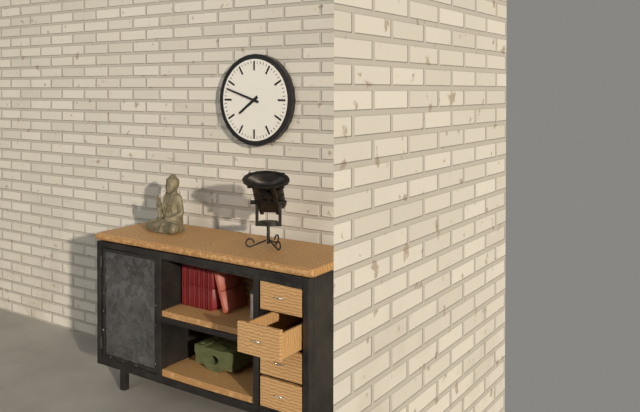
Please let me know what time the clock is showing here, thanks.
7:48
